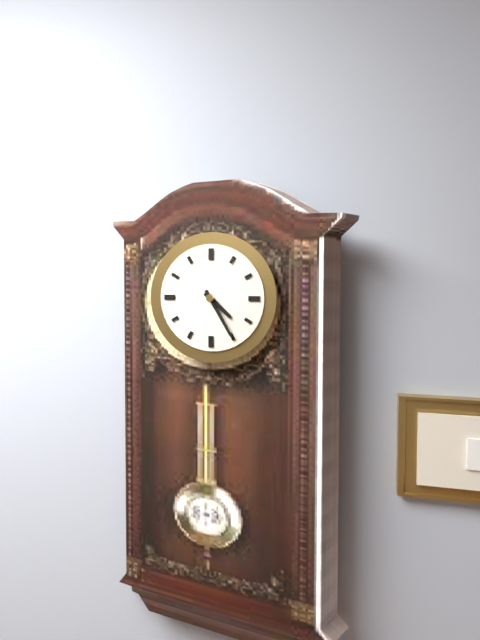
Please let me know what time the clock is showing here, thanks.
4:25
